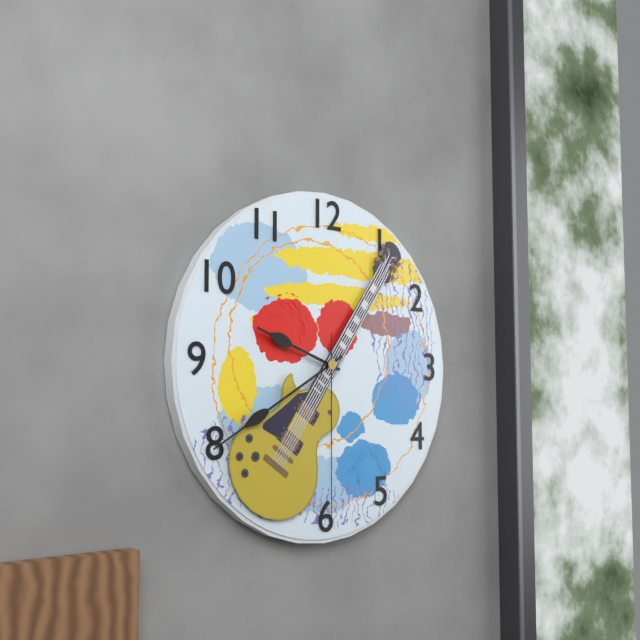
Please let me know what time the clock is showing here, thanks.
9:40:30
